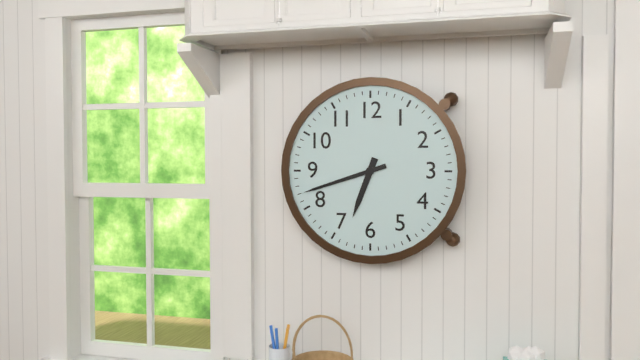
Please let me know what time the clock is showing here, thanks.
6:42
